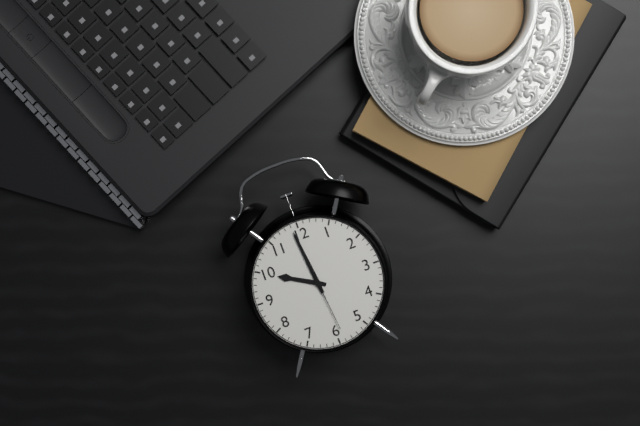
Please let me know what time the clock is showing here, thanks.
9:59:29
